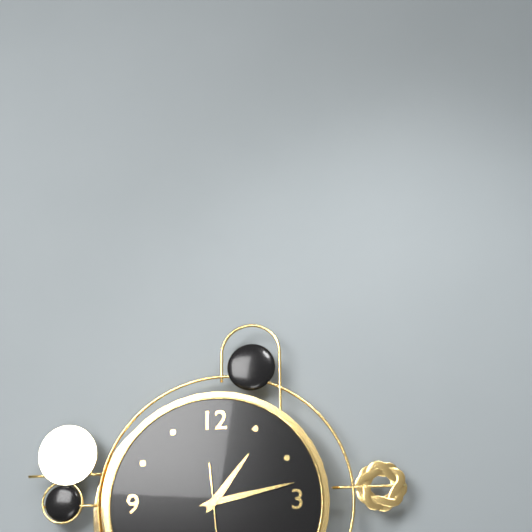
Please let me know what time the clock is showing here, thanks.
1:13
